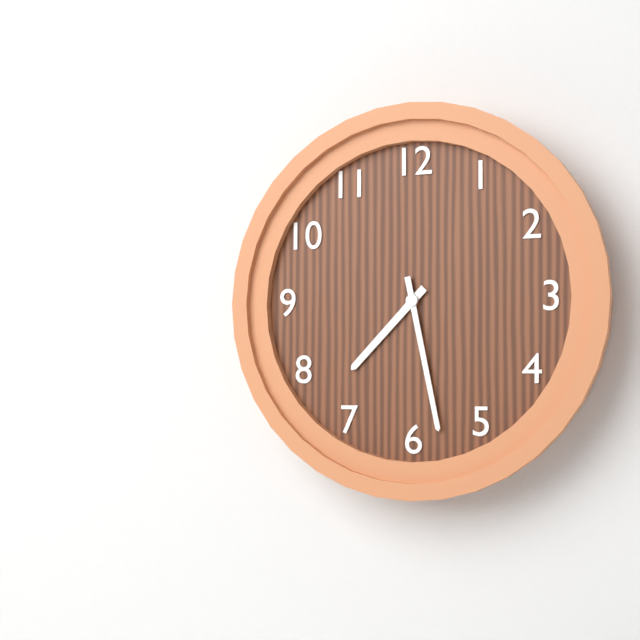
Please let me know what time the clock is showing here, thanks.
7:28
